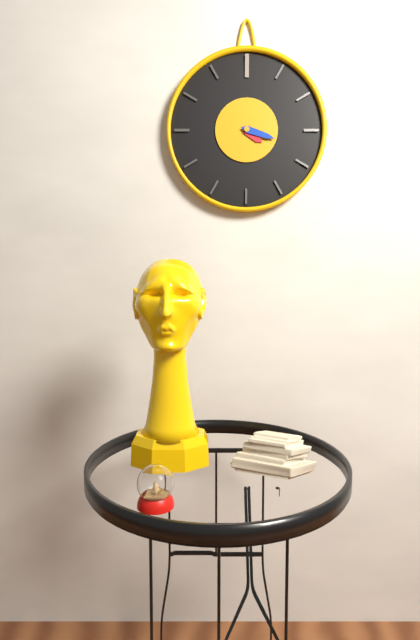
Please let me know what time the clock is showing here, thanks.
4:18
